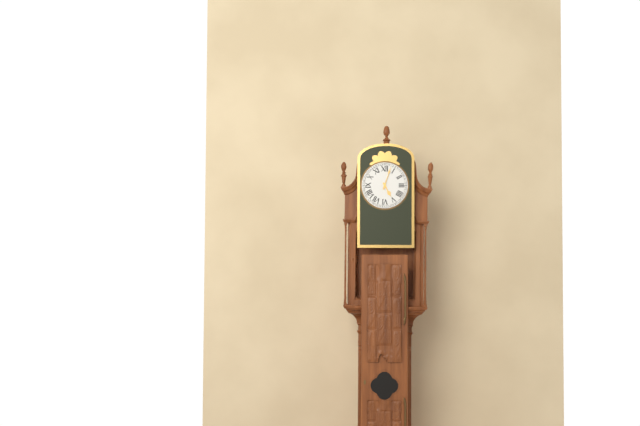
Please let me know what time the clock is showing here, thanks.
5:03
